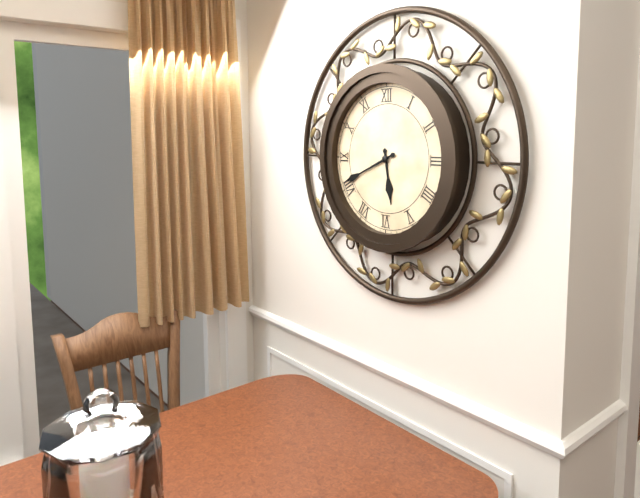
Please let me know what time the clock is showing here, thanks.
5:41
